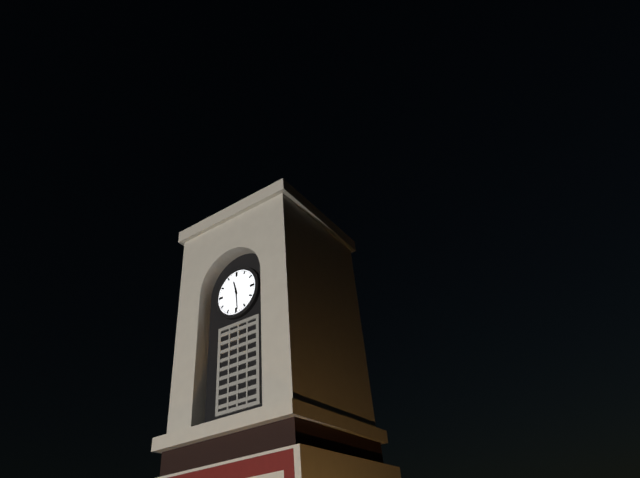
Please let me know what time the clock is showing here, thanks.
11:29
